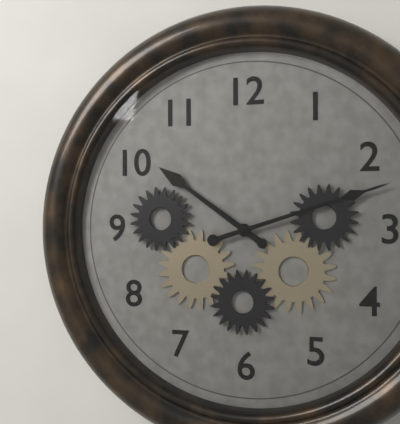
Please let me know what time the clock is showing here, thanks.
10:12
